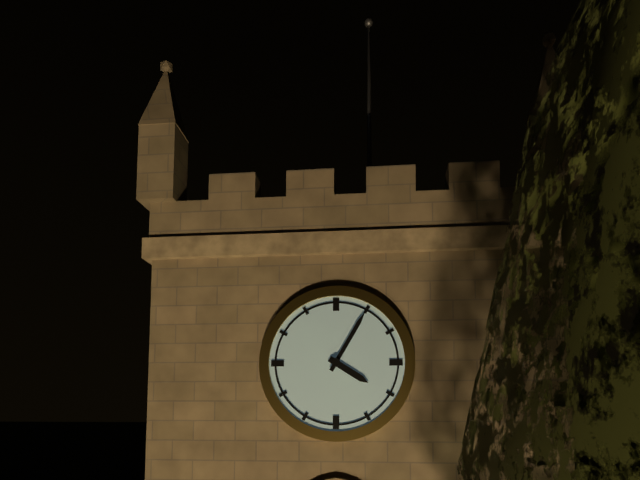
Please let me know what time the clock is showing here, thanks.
4:05
